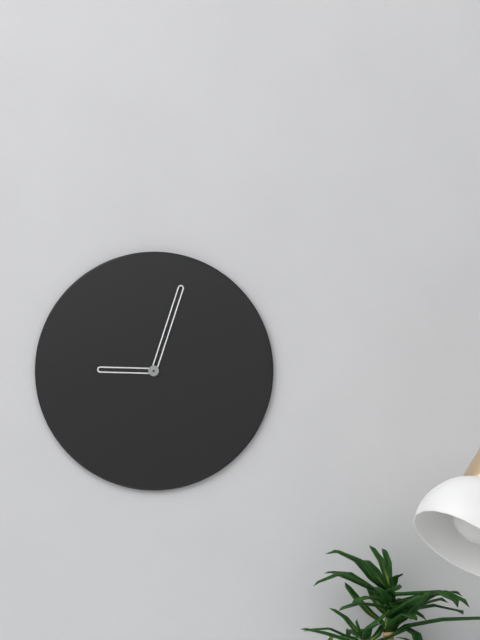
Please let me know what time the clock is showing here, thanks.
9:03
